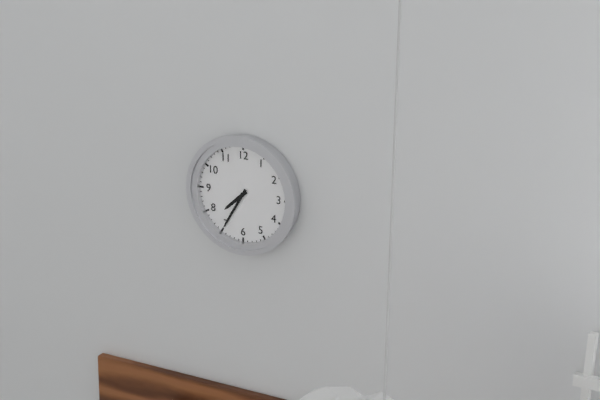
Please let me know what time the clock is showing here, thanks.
7:35
